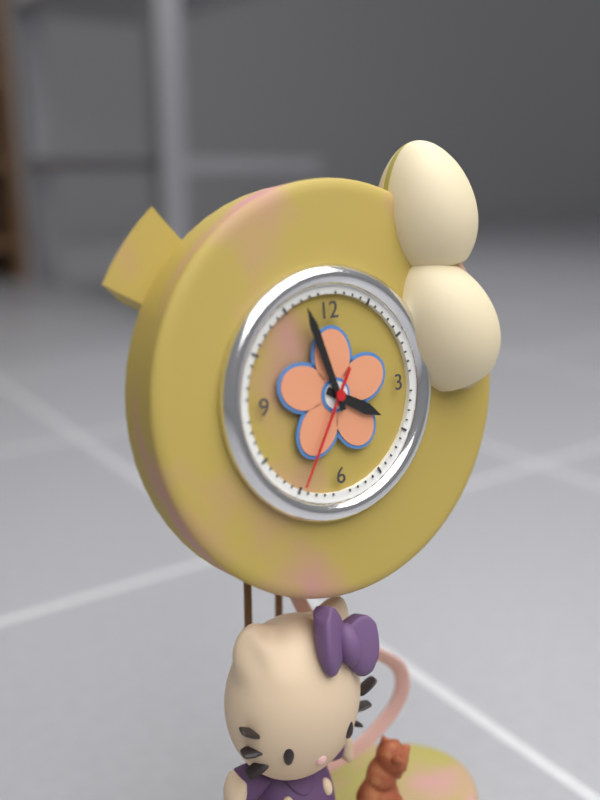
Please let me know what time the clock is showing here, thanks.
3:57:35
